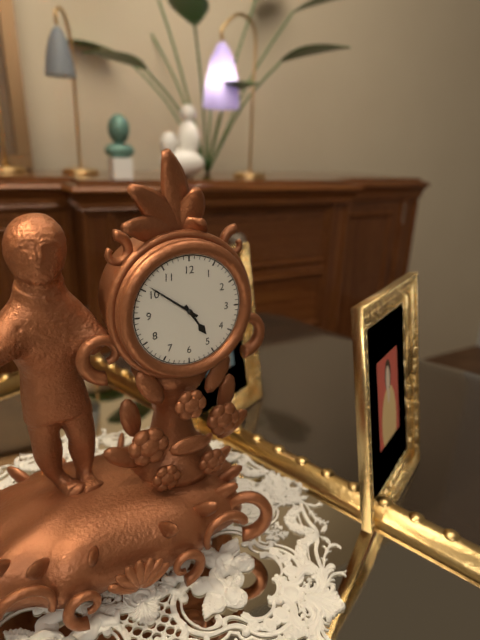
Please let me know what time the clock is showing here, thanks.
4:51
